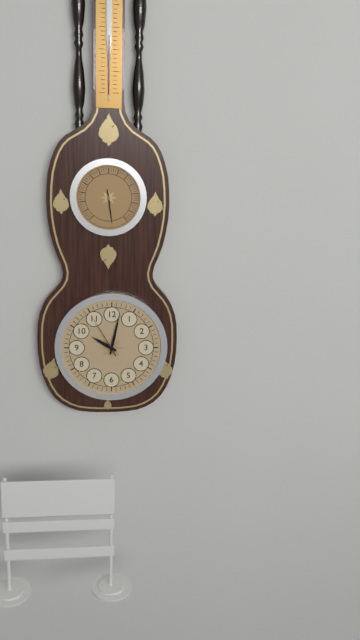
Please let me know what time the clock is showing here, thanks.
10:02
